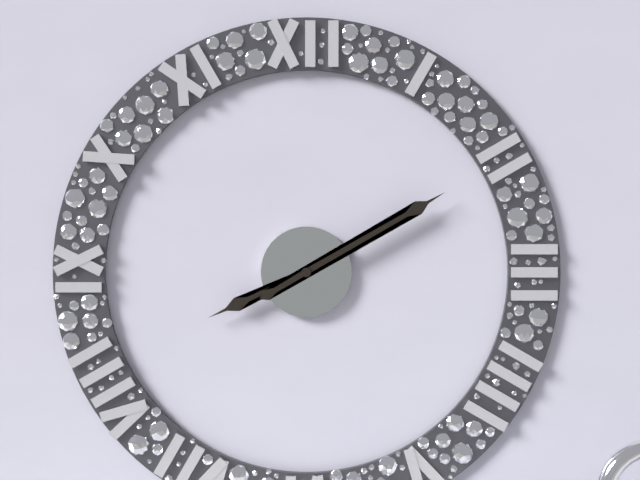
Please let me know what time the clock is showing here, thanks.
8:10
